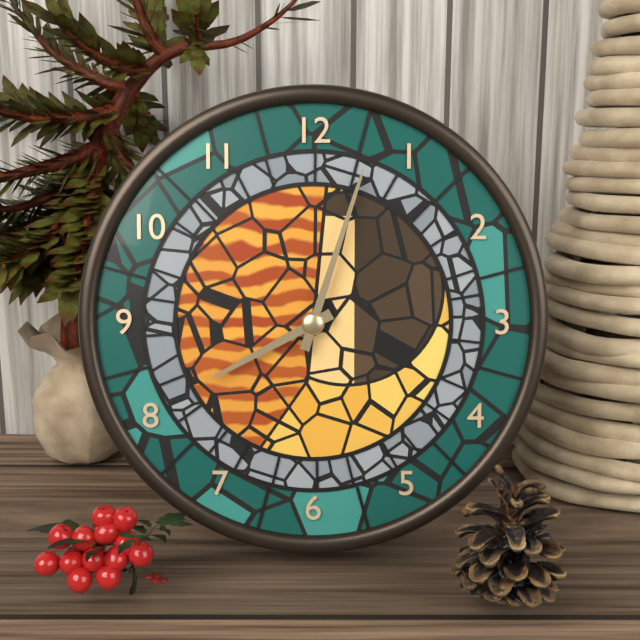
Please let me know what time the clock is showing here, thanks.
8:03
